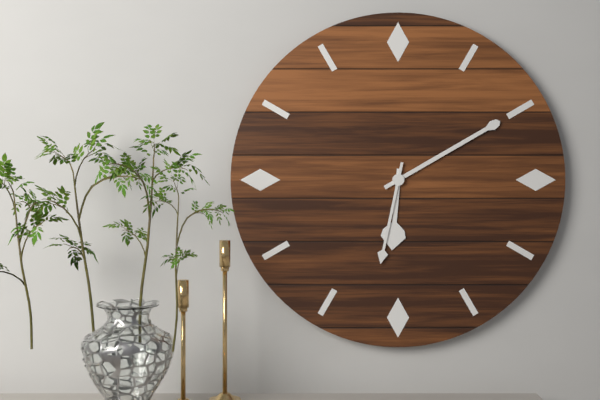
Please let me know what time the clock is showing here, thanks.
6:10:32
